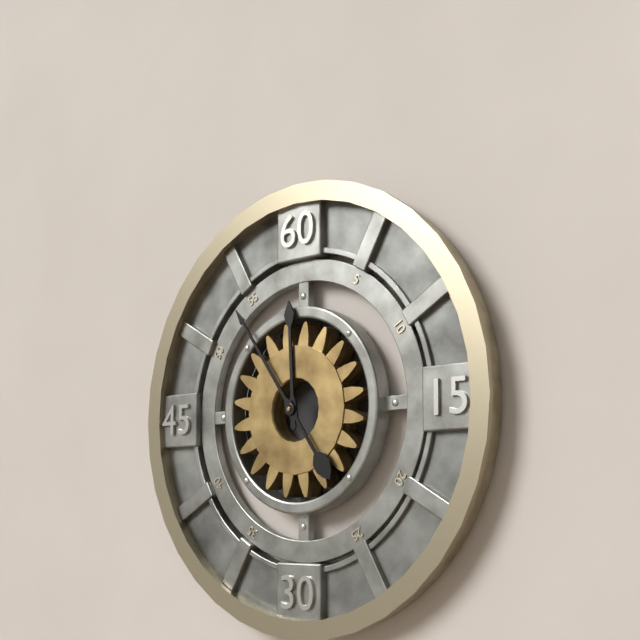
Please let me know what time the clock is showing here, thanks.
11:54
